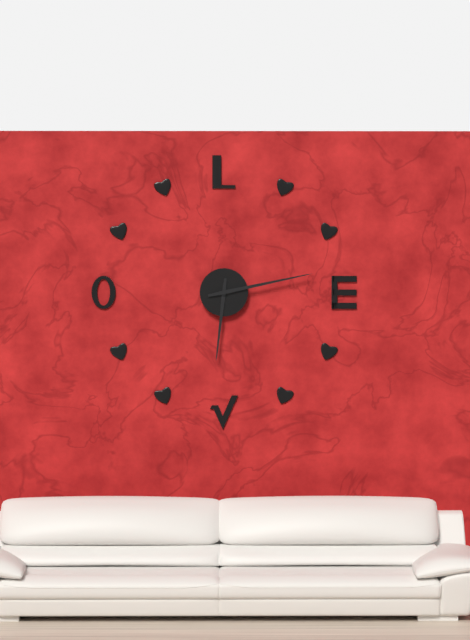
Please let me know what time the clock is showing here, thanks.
6:13
